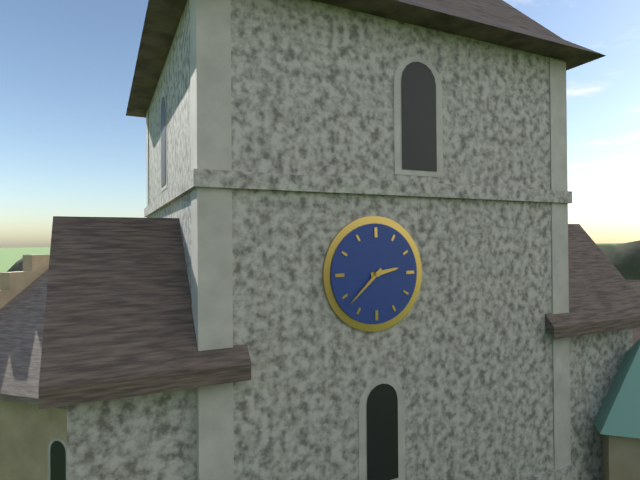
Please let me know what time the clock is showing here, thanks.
2:38
